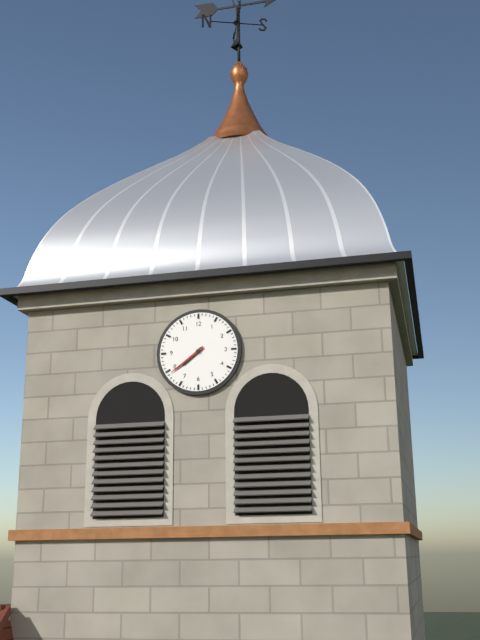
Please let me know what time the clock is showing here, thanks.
7:39
